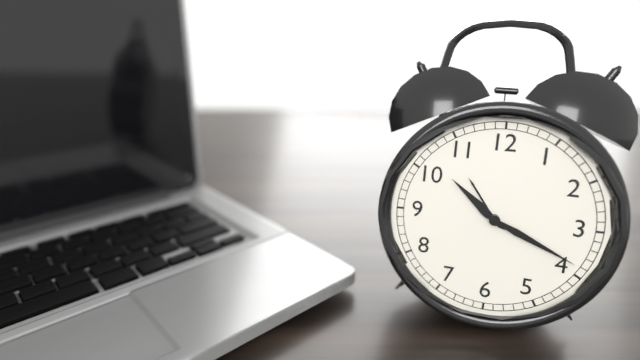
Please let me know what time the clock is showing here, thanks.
10:19
